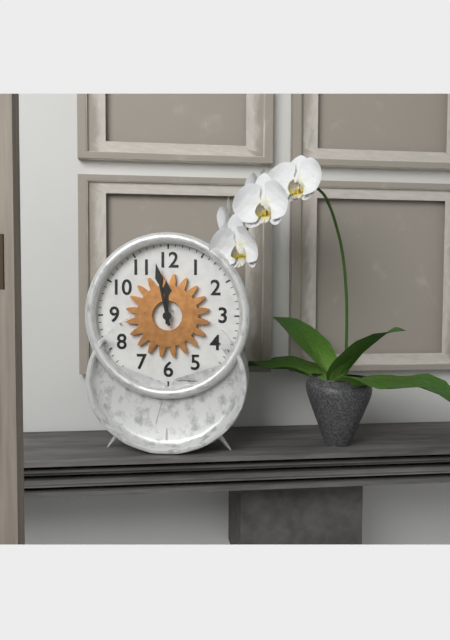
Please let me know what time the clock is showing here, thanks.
11:58
